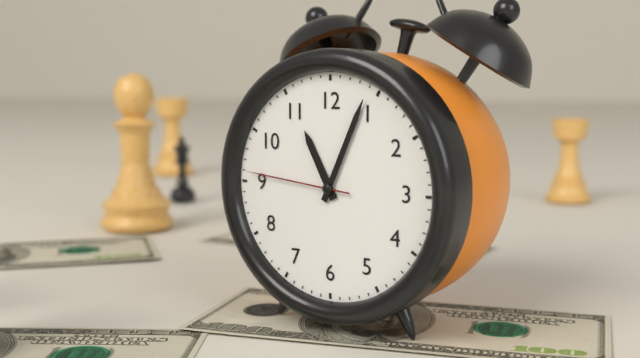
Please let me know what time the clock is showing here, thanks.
11:04:46
